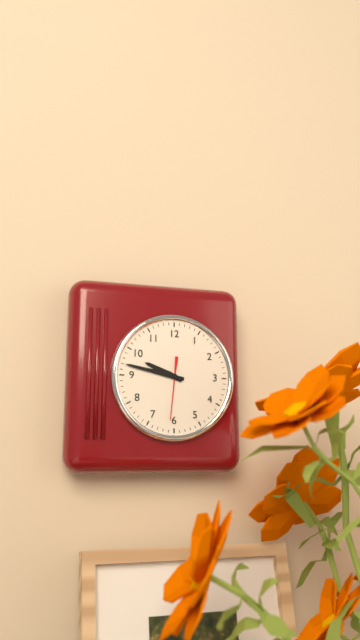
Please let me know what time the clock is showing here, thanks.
9:47:31
